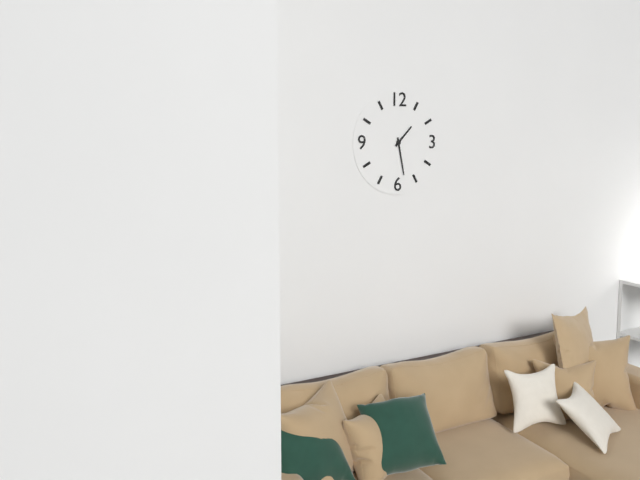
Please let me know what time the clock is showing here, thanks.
1:28
